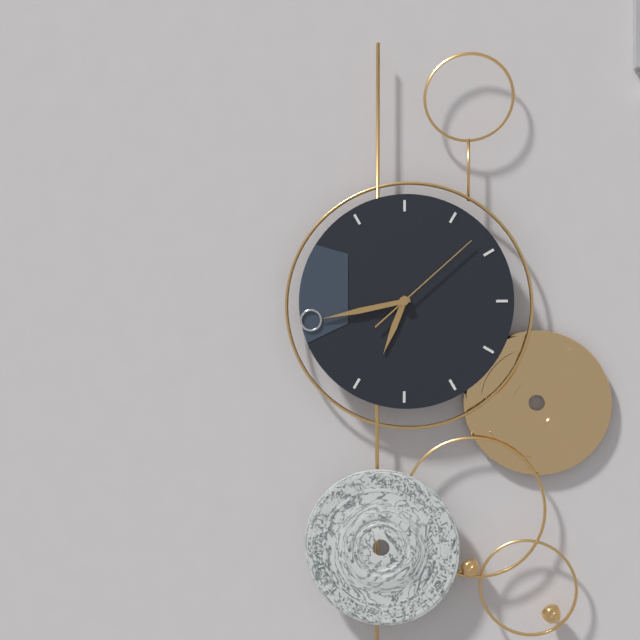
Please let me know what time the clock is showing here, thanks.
6:43:08
